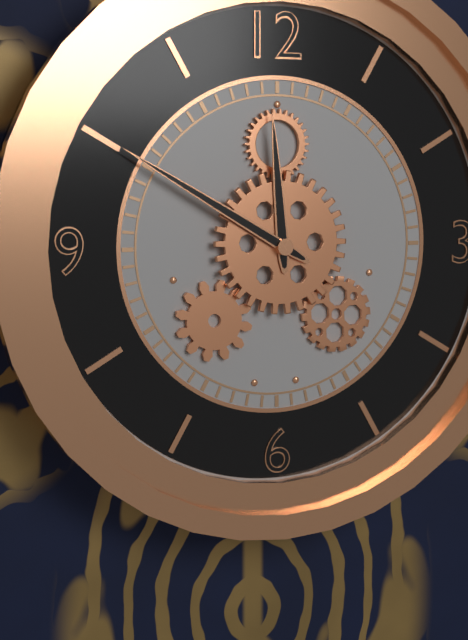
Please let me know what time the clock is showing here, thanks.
11:50
